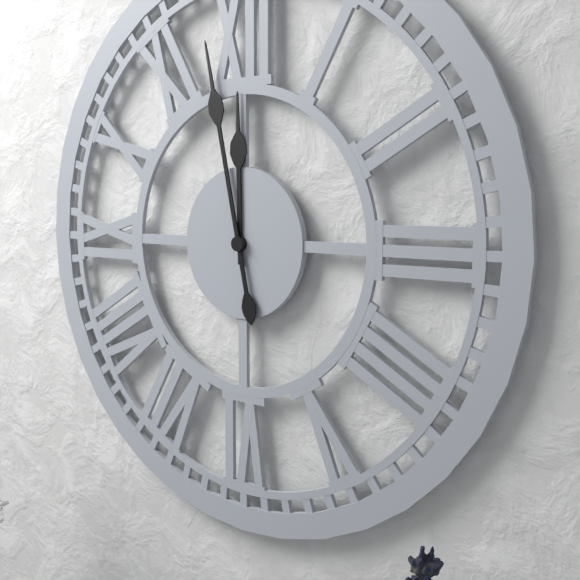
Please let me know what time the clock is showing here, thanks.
11:58
